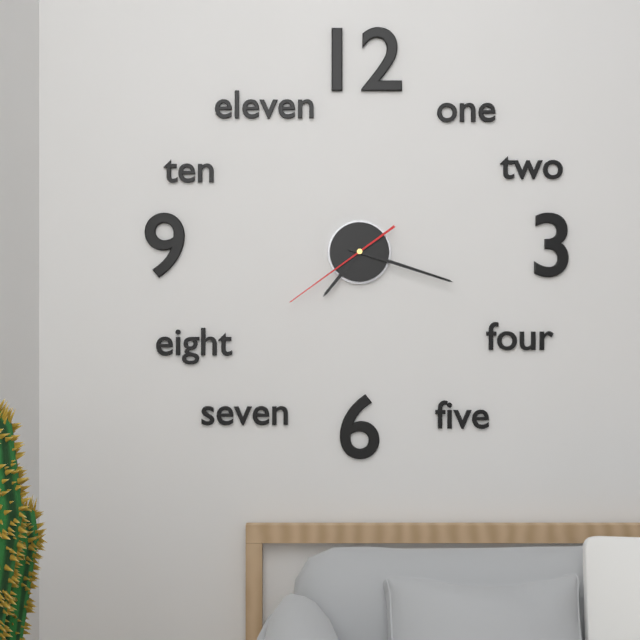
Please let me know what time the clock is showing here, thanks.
7:18:39
